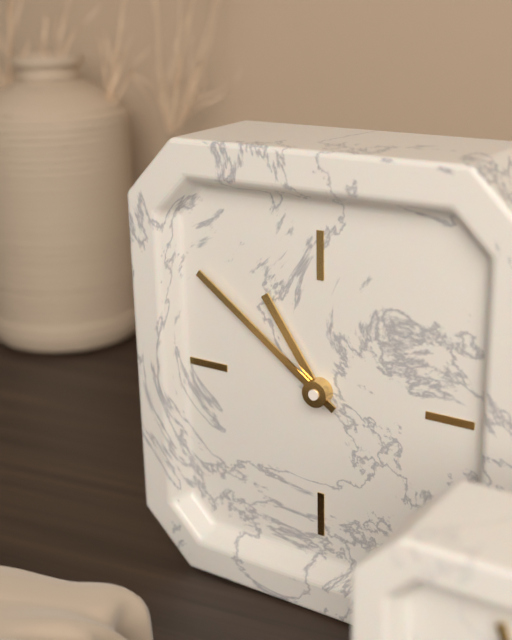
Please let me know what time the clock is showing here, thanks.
10:51
